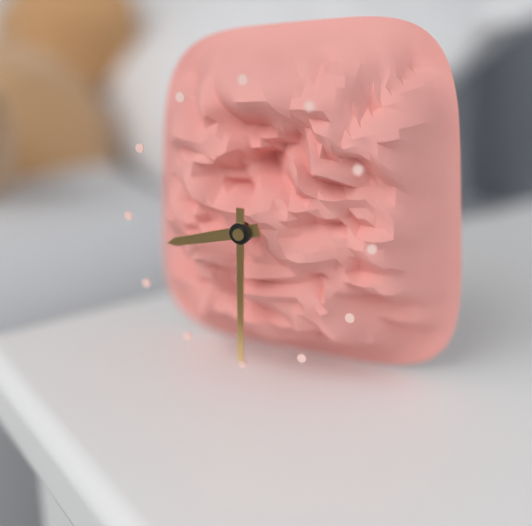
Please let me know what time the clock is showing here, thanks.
8:30
